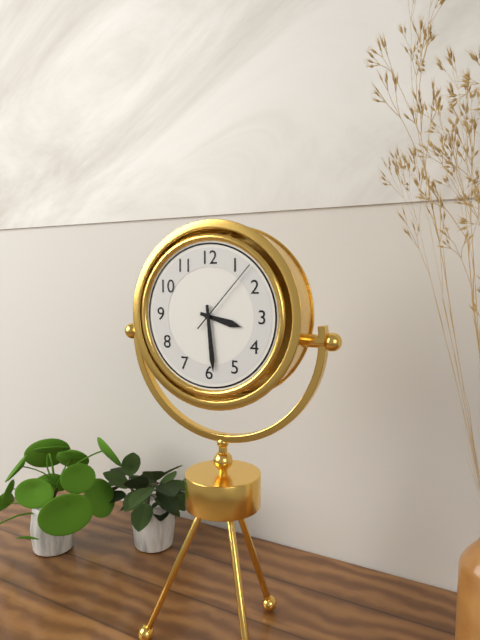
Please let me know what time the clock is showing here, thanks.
3:29:07
